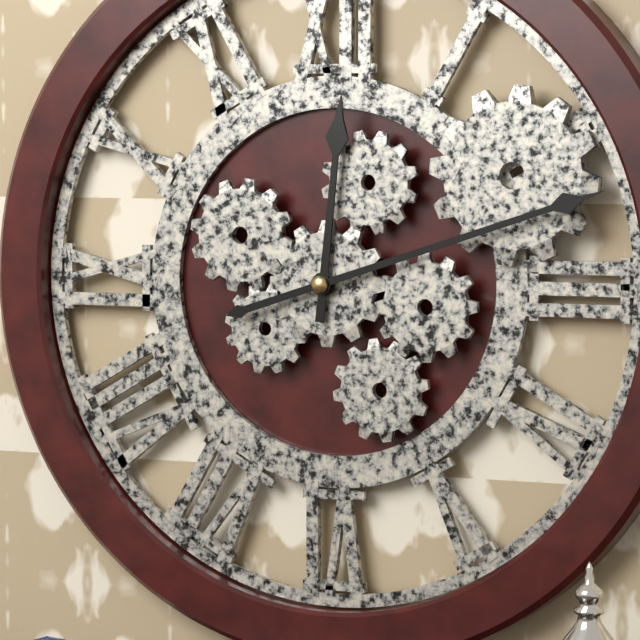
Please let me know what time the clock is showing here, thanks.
12:12
